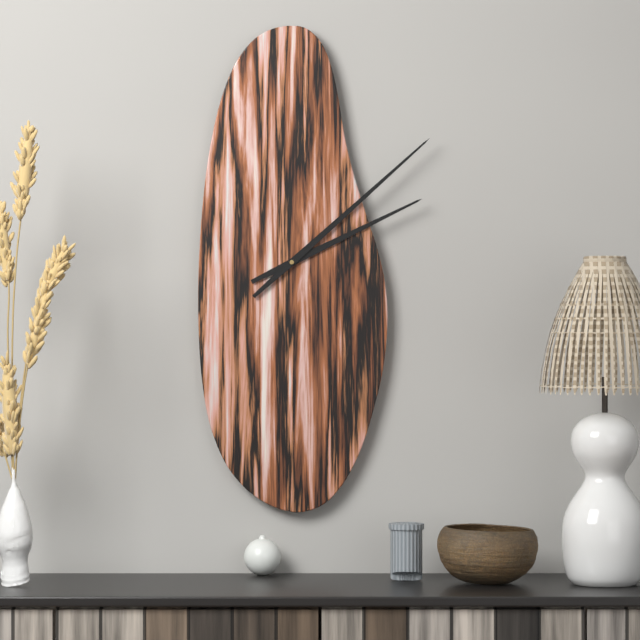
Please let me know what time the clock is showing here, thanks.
2:08
